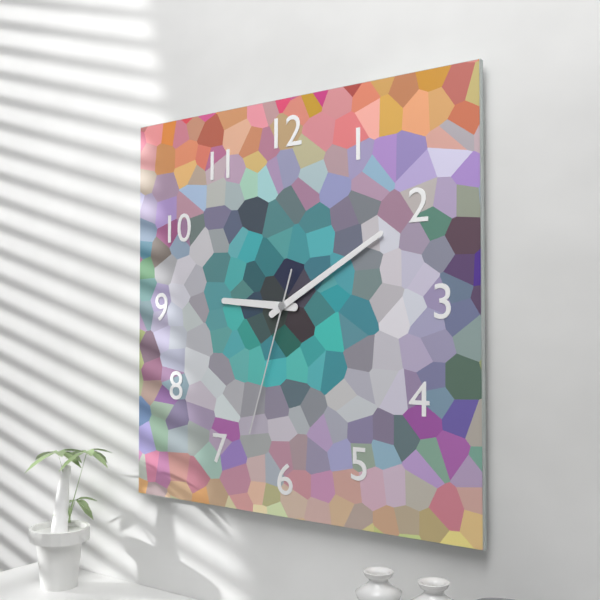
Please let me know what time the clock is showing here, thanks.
9:10:33
